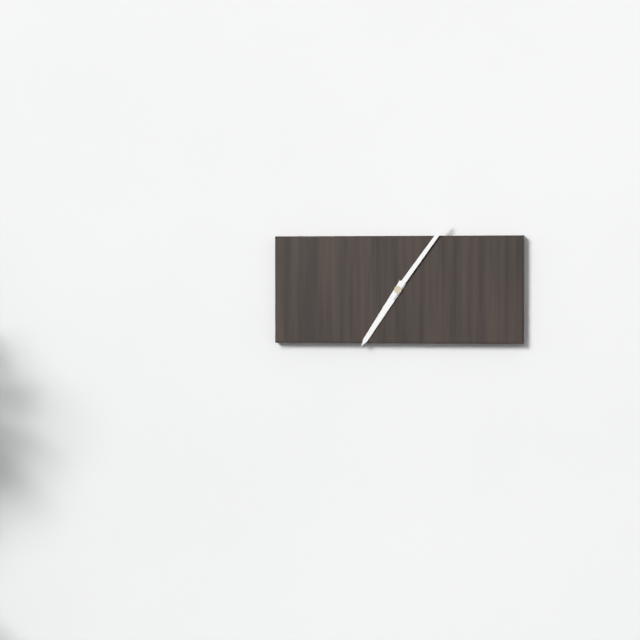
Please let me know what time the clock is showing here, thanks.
7:06
